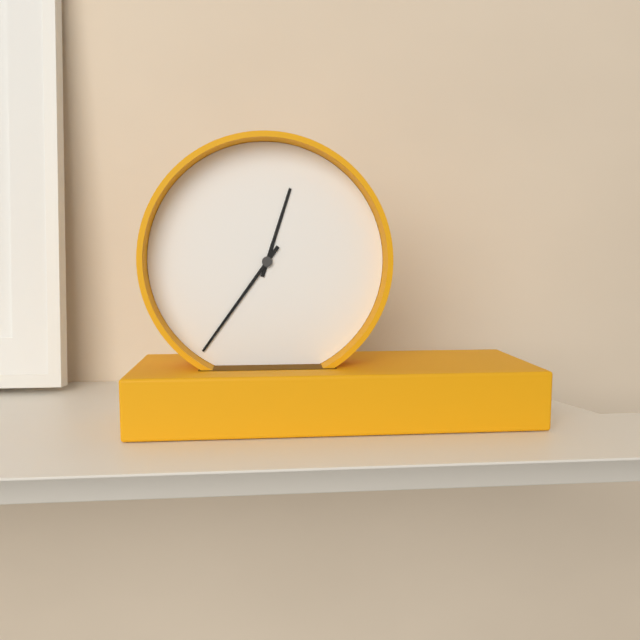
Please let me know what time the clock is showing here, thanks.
12:36
